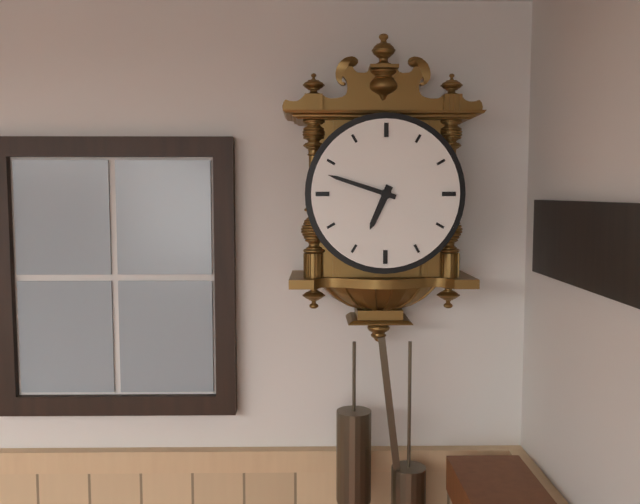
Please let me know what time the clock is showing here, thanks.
6:48
